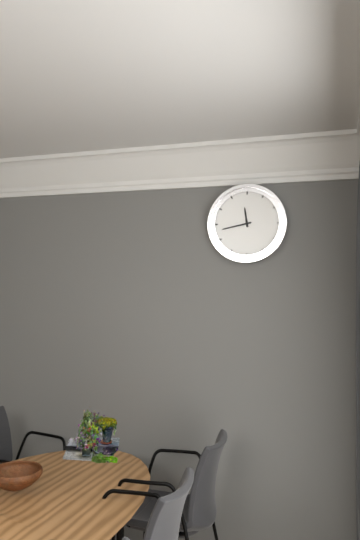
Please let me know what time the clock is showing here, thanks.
11:43
